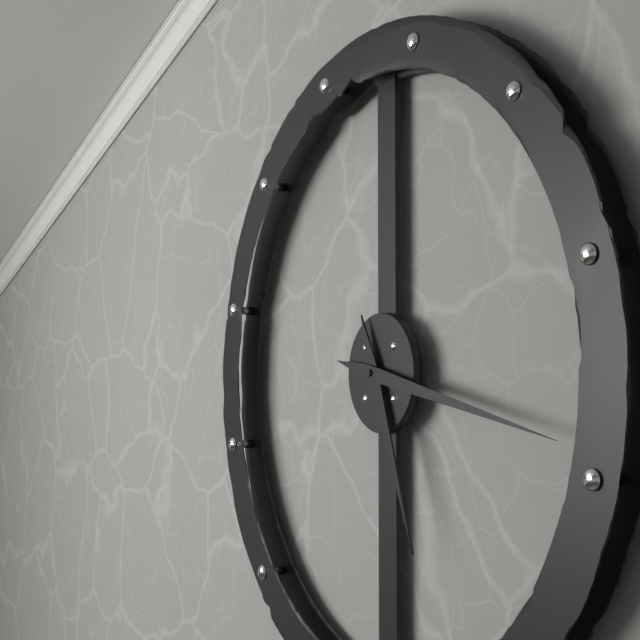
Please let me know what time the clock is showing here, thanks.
5:17
